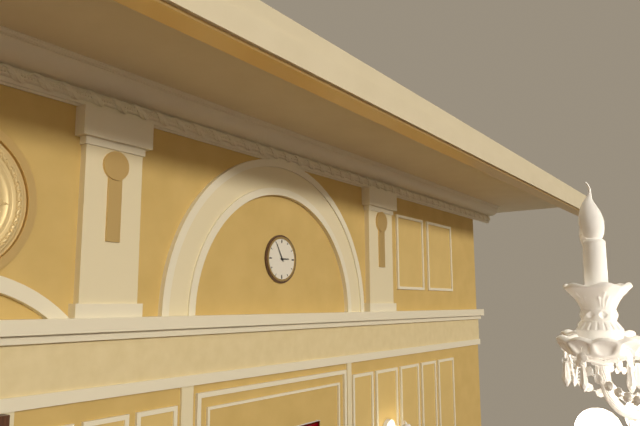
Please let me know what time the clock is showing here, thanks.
2:55
